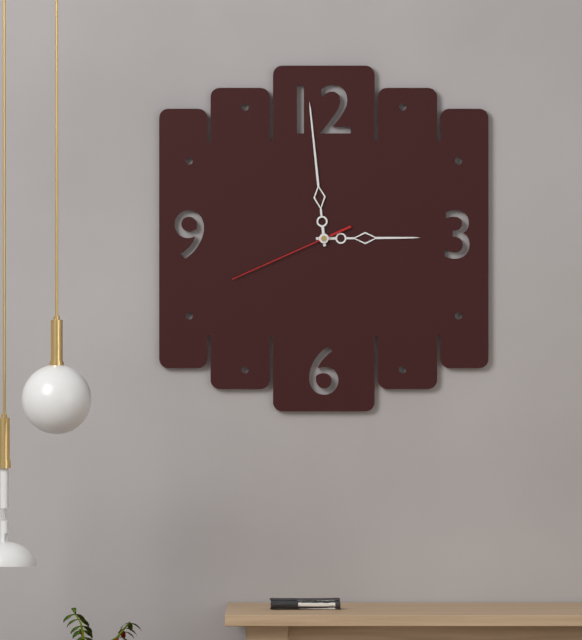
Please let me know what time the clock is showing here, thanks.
2:59:41
